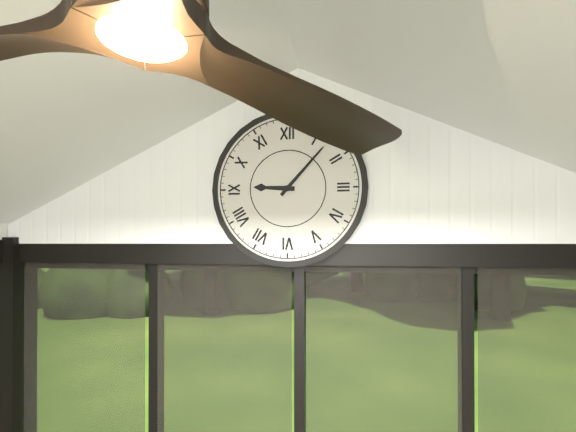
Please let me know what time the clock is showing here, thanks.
9:07
